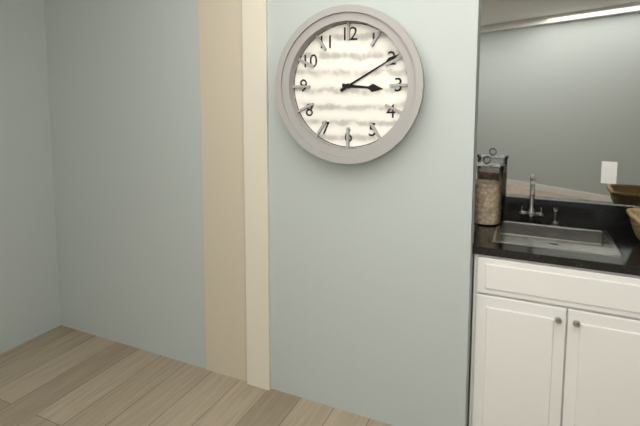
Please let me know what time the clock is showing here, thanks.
3:10
